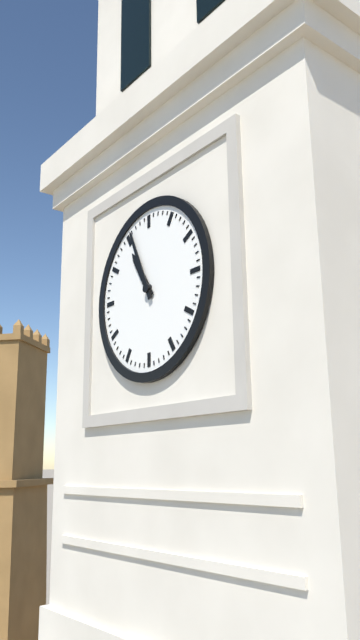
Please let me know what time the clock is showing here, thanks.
10:56
